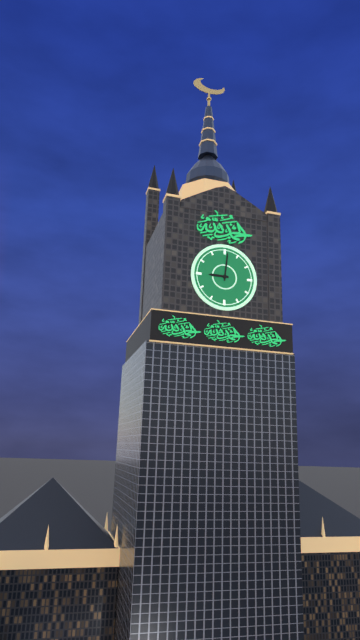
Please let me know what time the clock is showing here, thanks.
9:01
